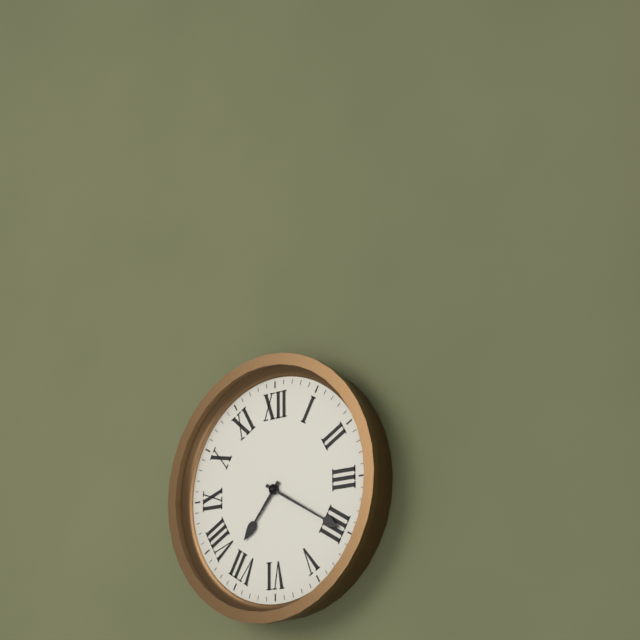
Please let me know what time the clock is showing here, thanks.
7:20
